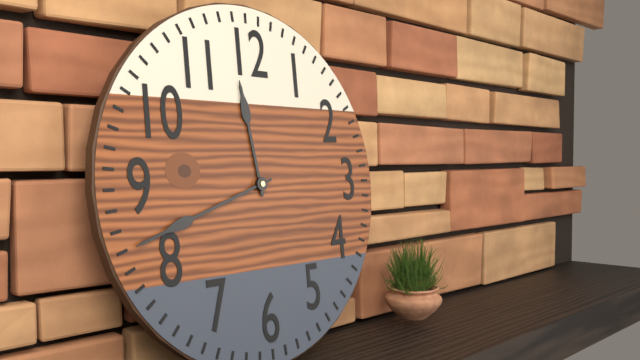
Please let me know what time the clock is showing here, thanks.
11:42
